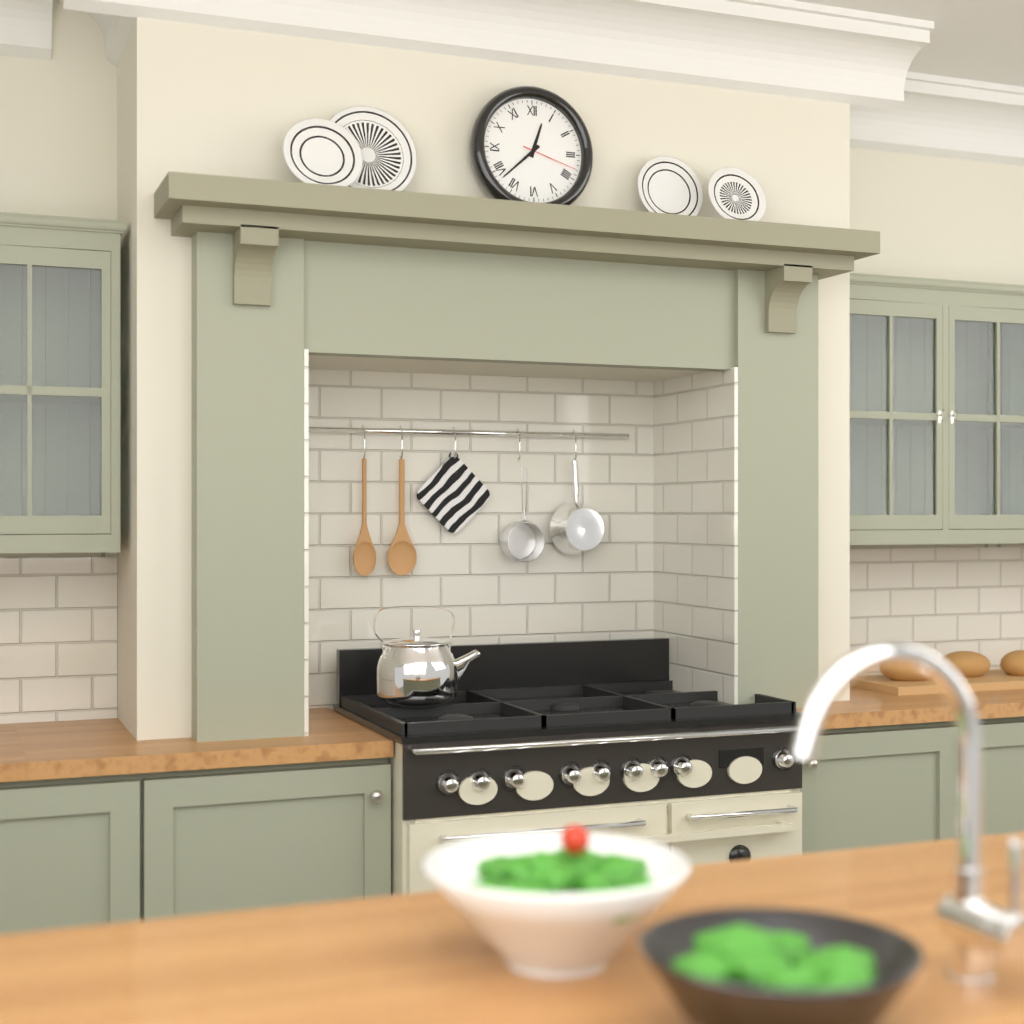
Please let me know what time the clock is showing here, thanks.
12:38:18
